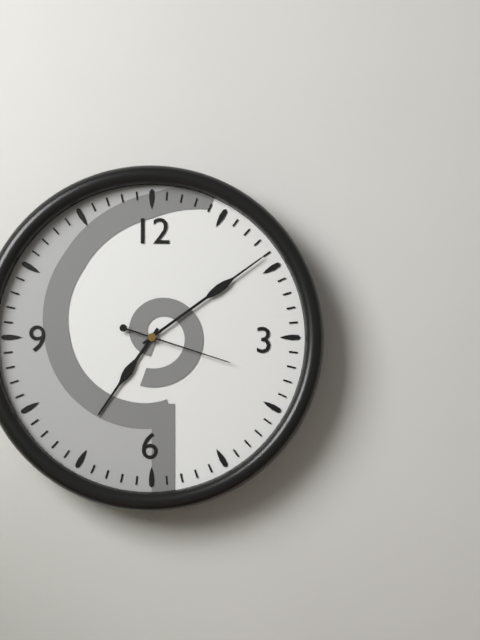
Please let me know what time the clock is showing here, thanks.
7:09:18
